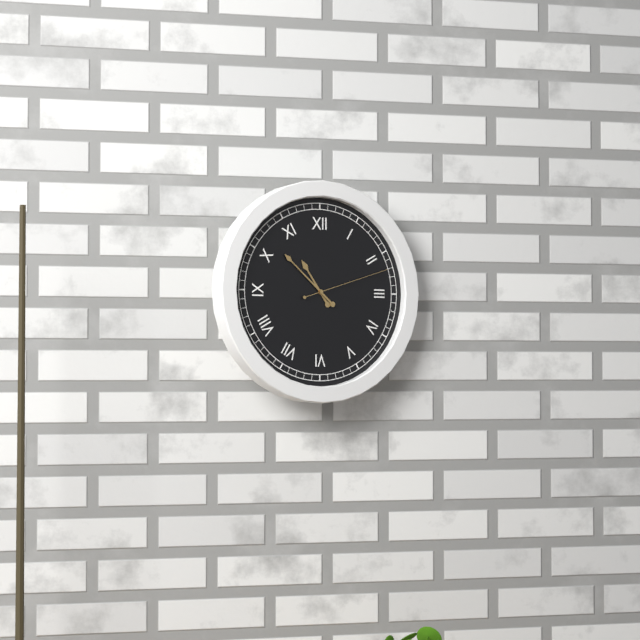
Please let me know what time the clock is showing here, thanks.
10:52:12
